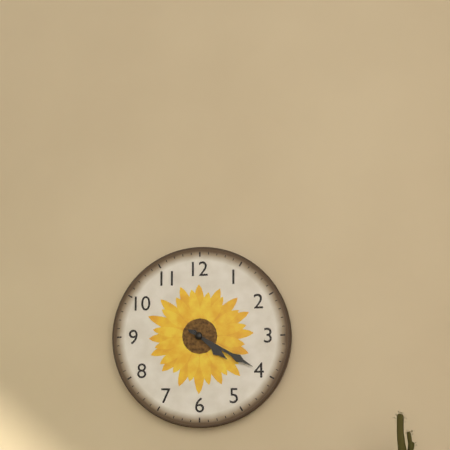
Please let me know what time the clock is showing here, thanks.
4:20
